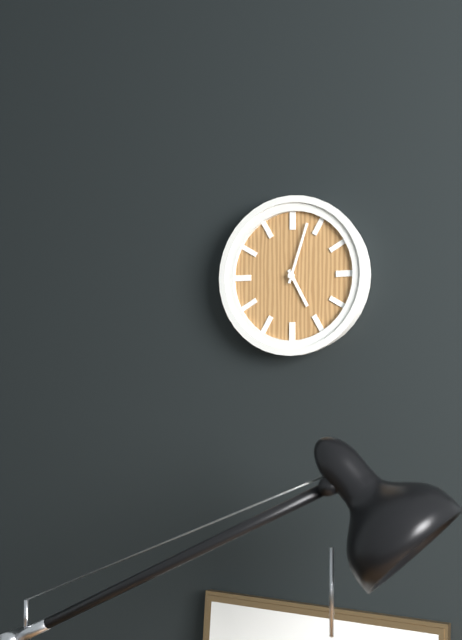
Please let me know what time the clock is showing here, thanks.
5:03
